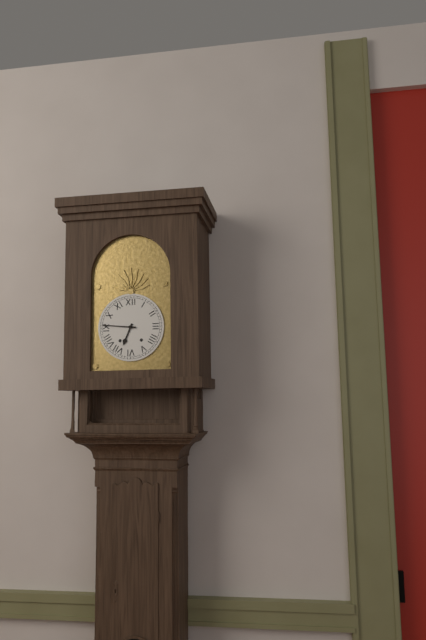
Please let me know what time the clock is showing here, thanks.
6:46
